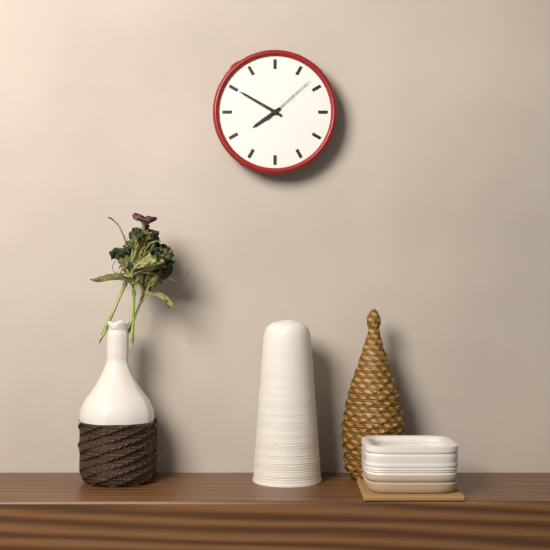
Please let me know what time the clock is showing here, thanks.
7:50:08
